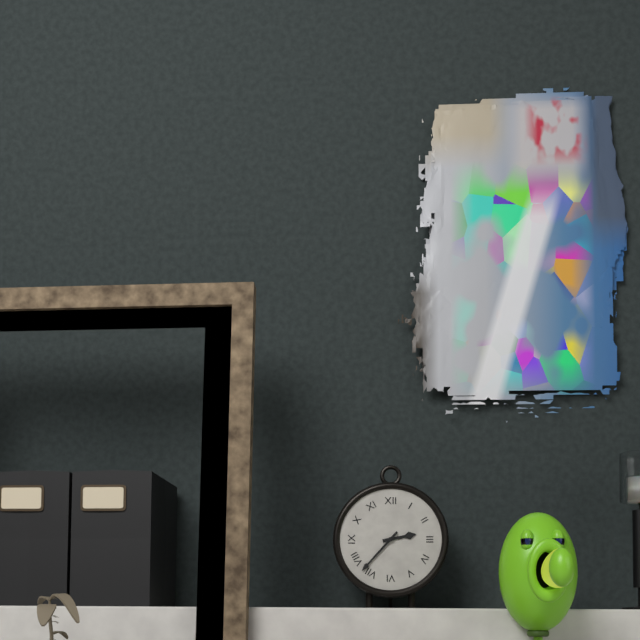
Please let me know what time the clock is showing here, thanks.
2:37
